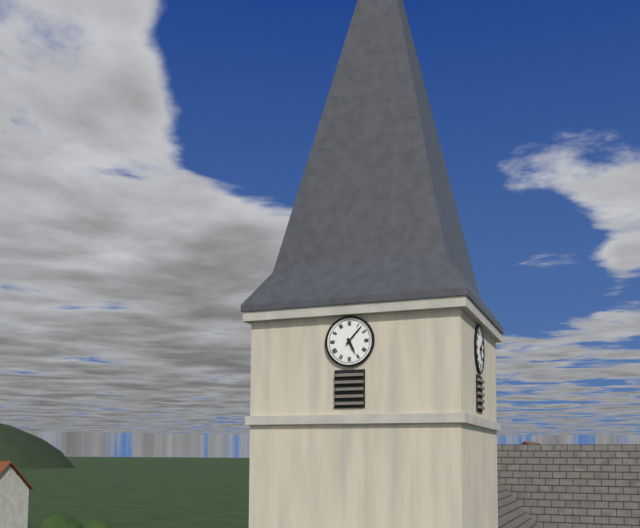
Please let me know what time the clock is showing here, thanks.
5:07
